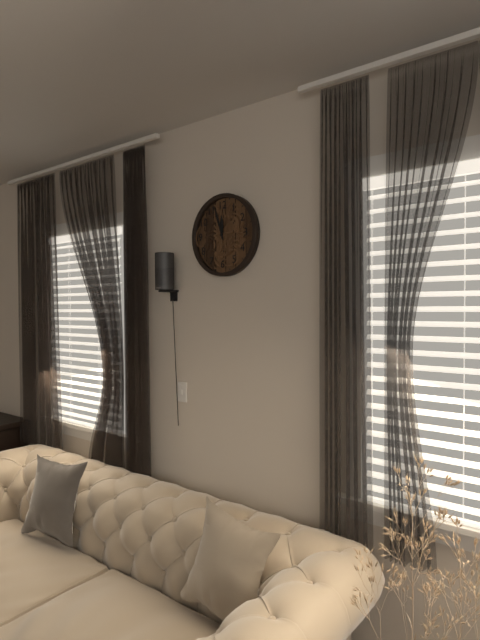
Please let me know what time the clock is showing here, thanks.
11:57
